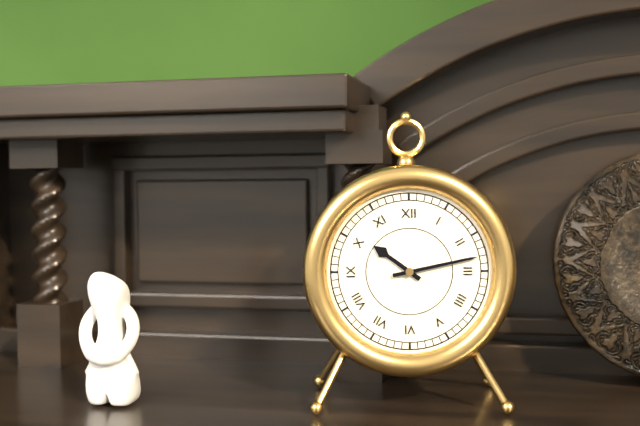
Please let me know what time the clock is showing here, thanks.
10:13
